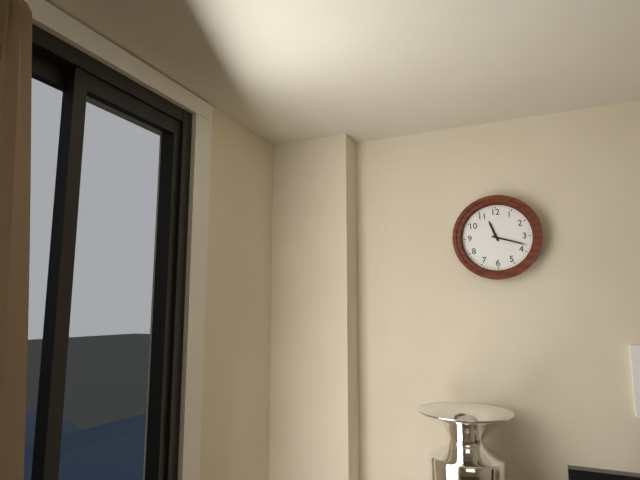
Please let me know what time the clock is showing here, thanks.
11:18
